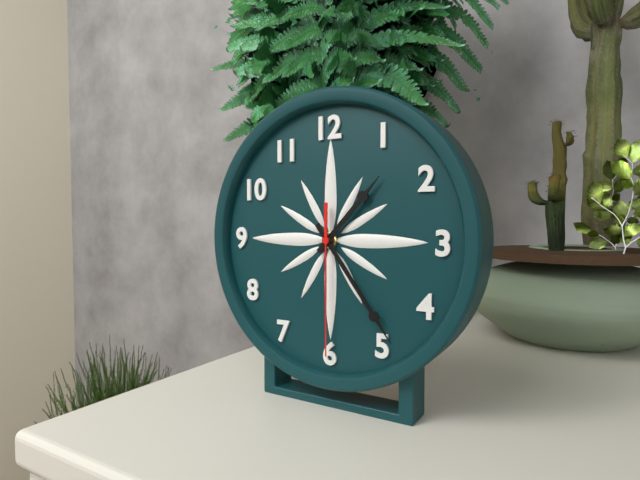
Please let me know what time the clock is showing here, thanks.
1:24:30
